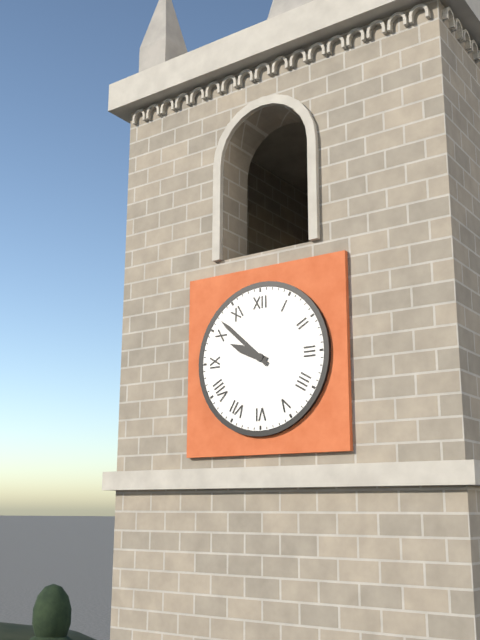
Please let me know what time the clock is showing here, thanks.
9:52
